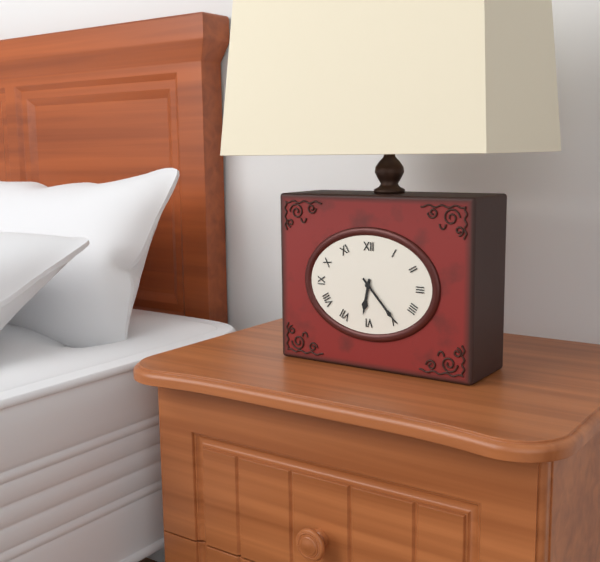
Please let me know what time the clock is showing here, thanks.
6:23
